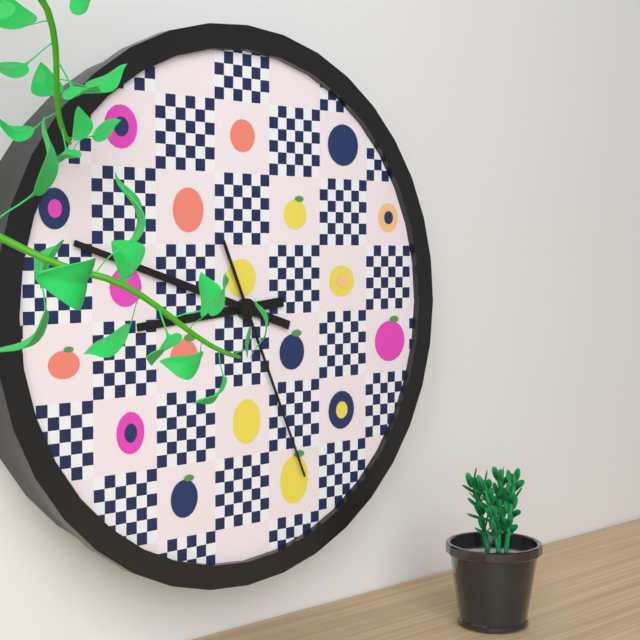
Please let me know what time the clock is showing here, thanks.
8:48:26
